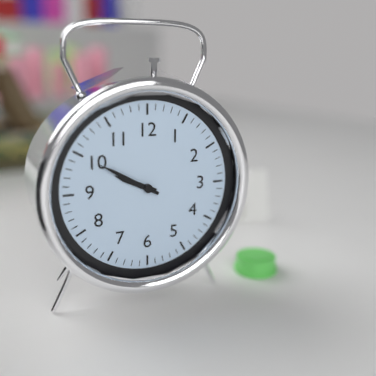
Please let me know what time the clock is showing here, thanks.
9:50
